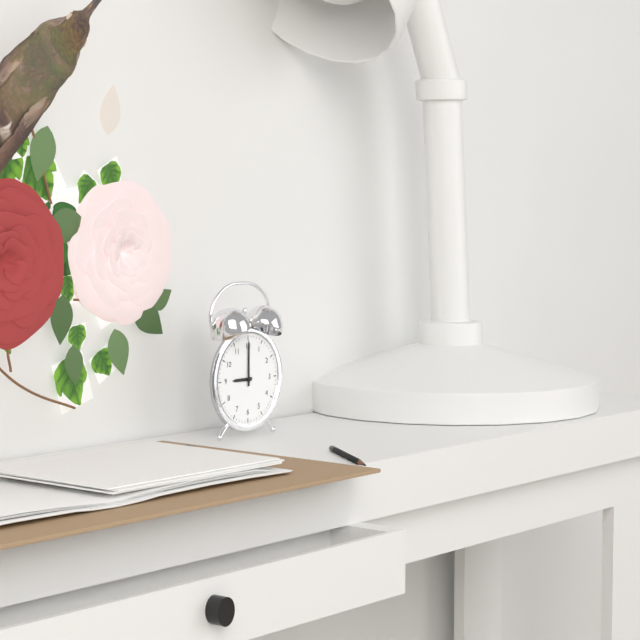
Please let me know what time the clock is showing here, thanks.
9:00
